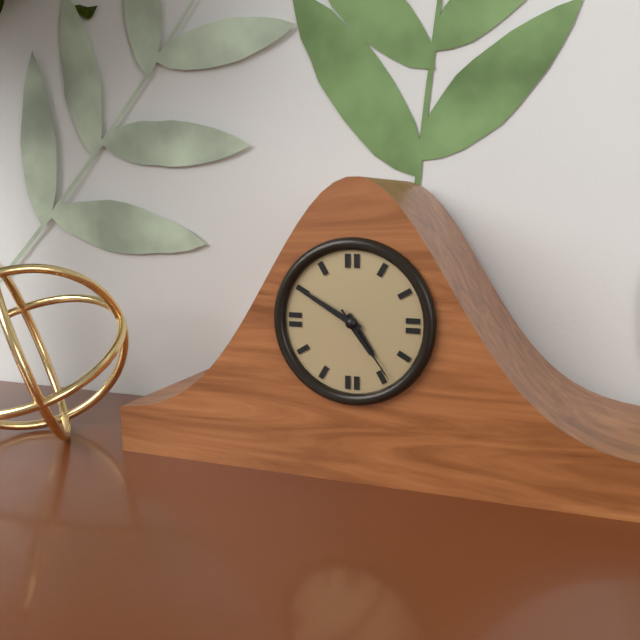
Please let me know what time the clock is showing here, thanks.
4:50:24
